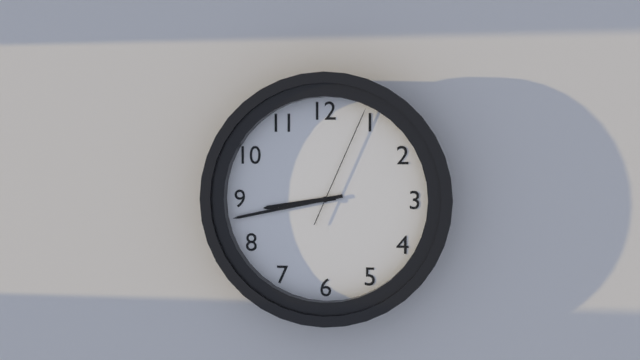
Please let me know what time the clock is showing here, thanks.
8:43:04
